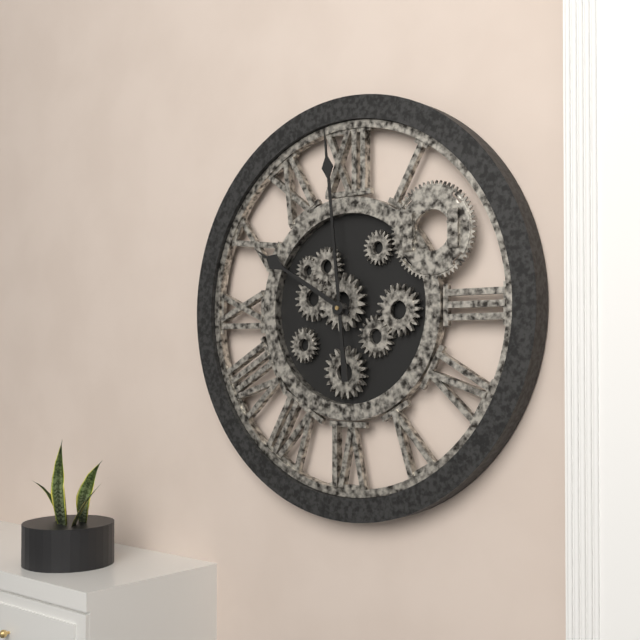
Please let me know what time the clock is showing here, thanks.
9:59
